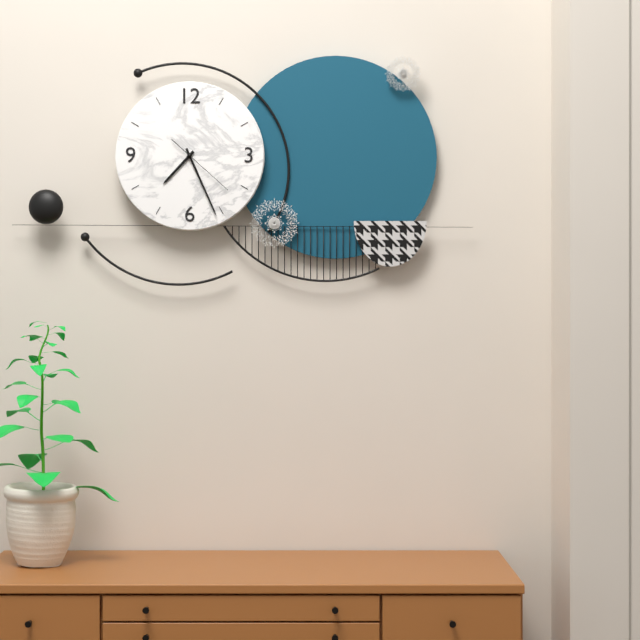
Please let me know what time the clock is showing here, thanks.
7:26:22
